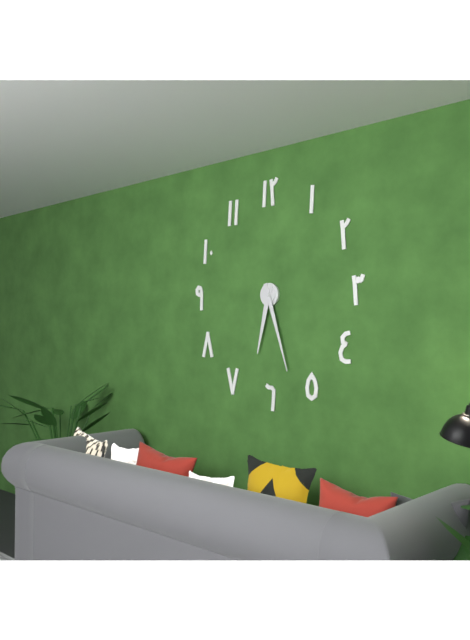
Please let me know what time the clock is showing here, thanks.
6:27
